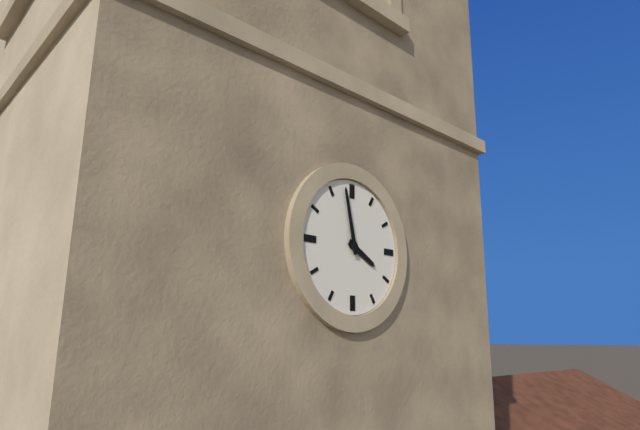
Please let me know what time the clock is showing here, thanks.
3:58
